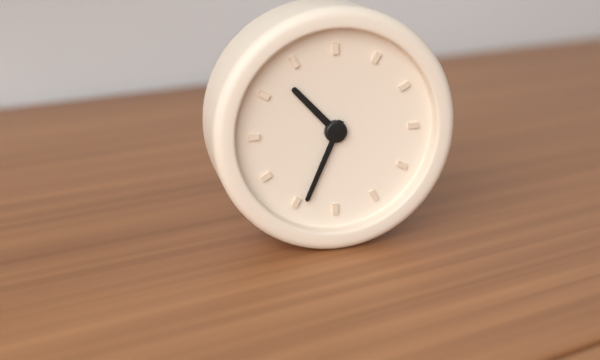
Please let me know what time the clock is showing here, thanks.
10:34
